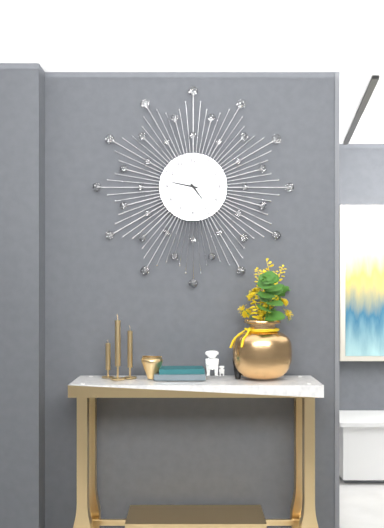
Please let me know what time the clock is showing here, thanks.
4:47
